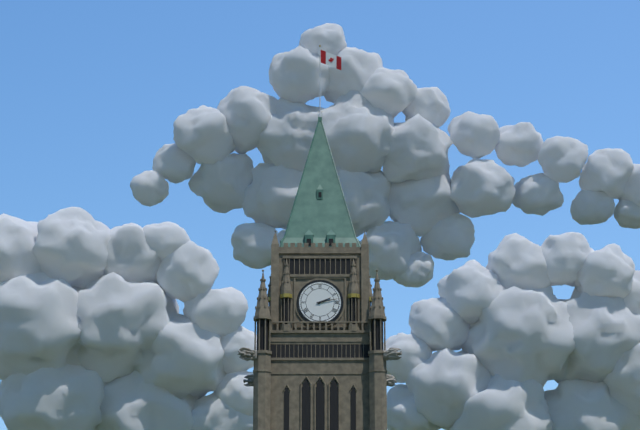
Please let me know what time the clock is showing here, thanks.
2:13
